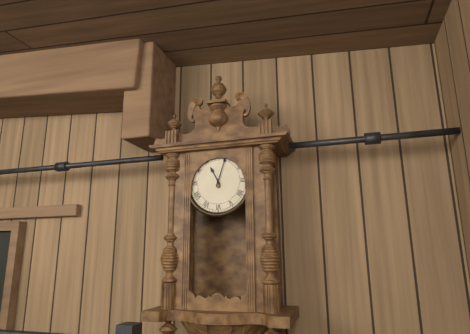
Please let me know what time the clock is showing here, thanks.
11:03
